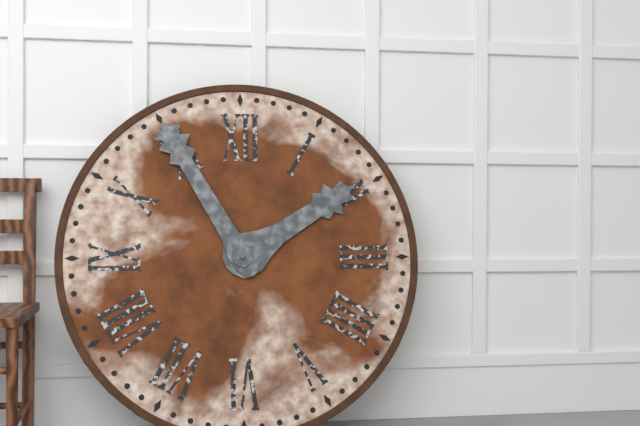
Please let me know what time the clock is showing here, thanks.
1:55
